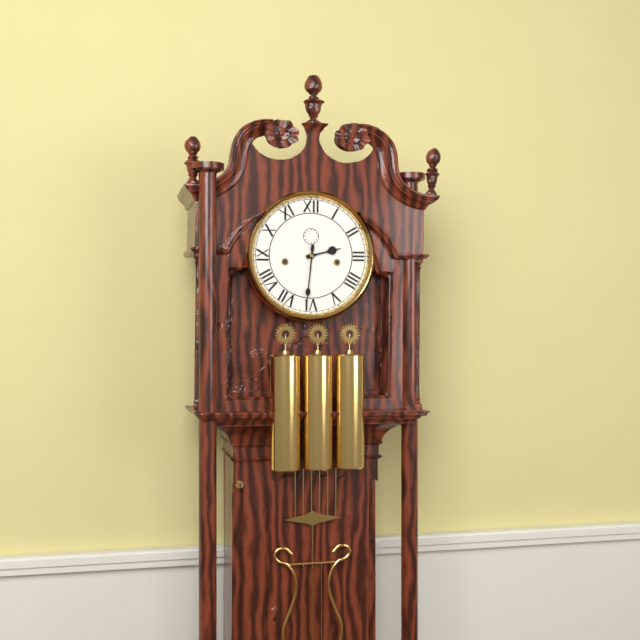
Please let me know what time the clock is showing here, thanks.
2:31
